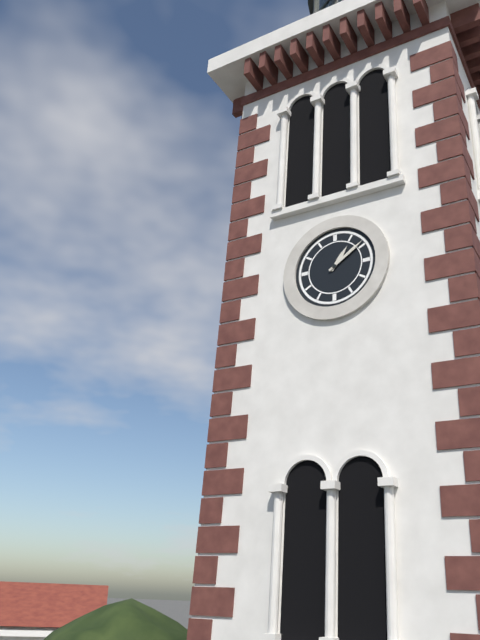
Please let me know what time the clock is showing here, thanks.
1:09
